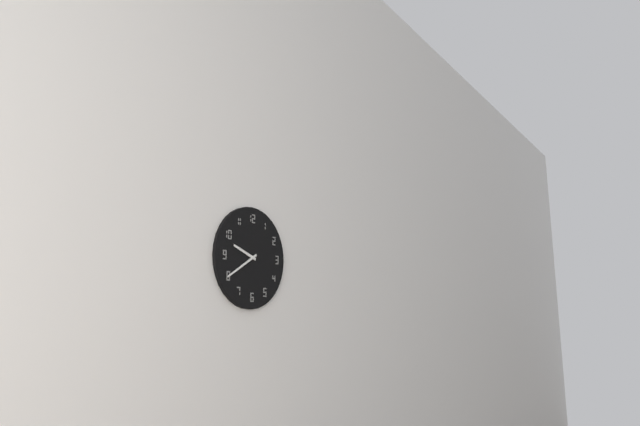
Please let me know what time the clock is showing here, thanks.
9:40
